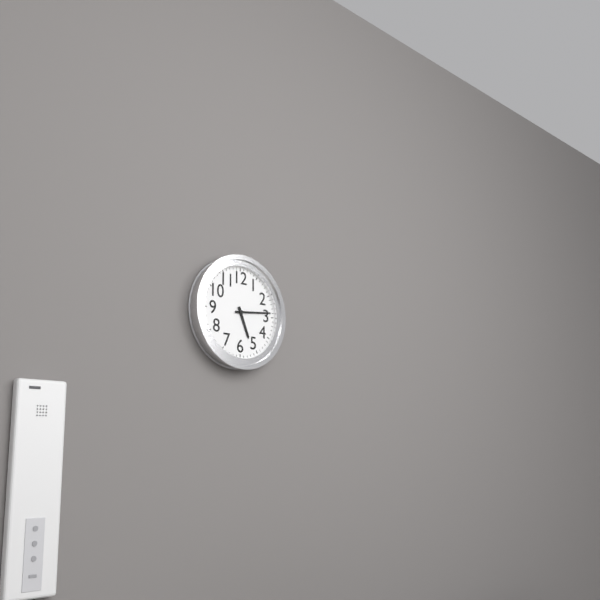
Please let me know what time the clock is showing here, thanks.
5:14
